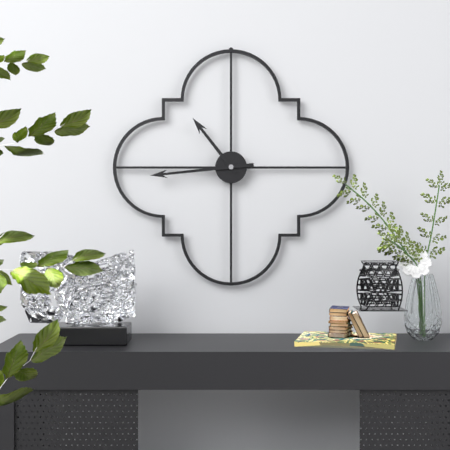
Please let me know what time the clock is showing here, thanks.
10:44
